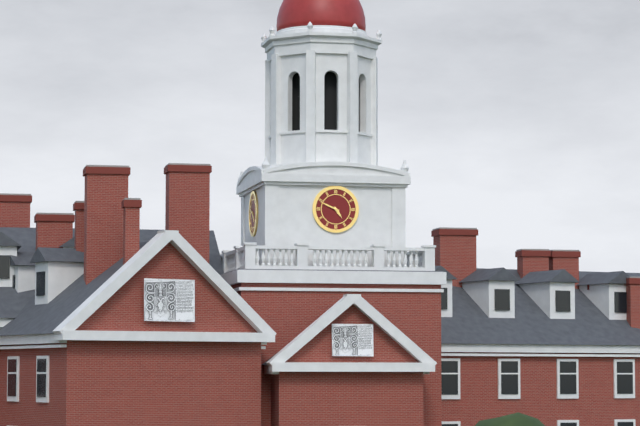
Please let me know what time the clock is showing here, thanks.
4:49
